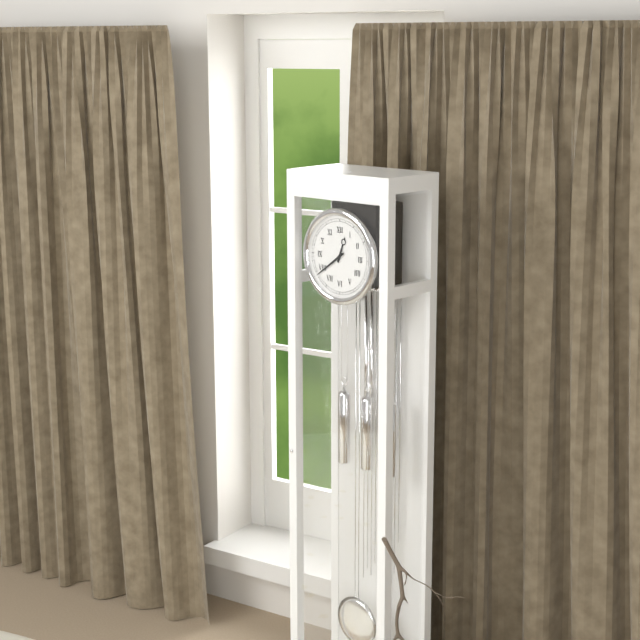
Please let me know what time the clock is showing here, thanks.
12:39
